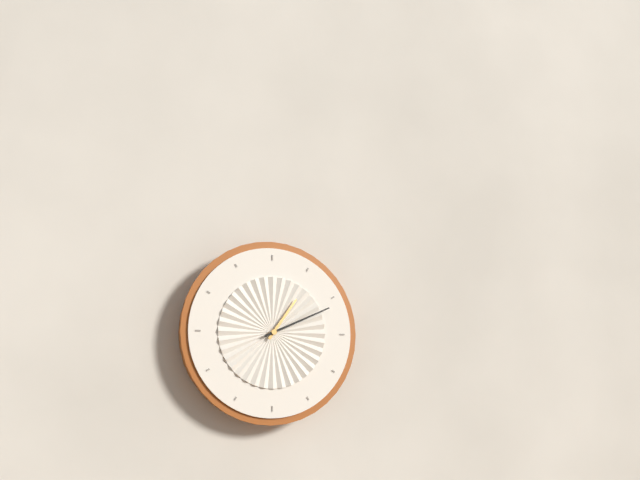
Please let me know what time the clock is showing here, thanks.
1:11
